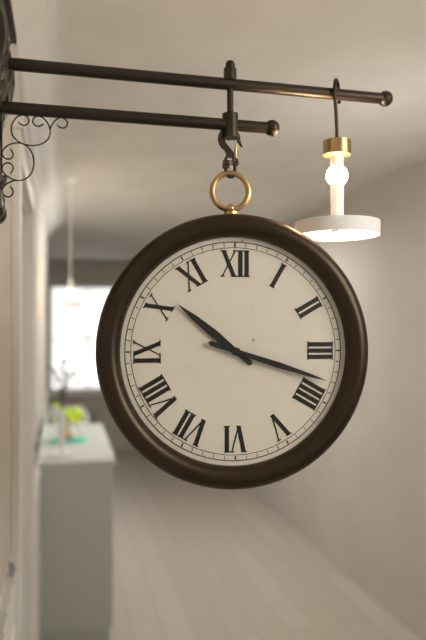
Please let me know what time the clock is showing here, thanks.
10:18
